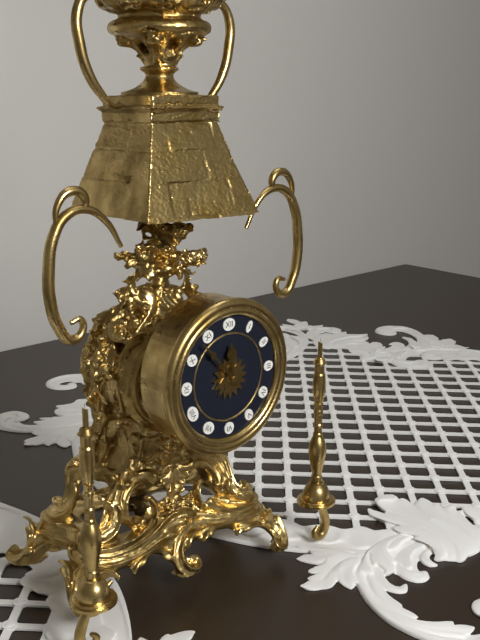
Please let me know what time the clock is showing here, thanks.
11:53
